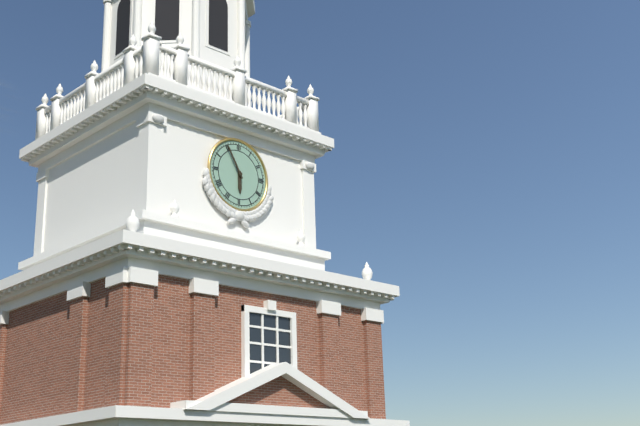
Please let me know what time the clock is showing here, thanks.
5:55
